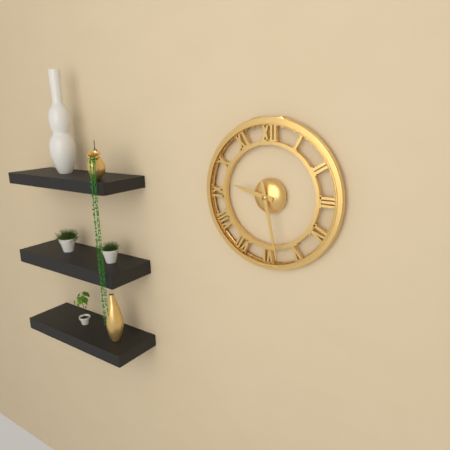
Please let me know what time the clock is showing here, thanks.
9:28
